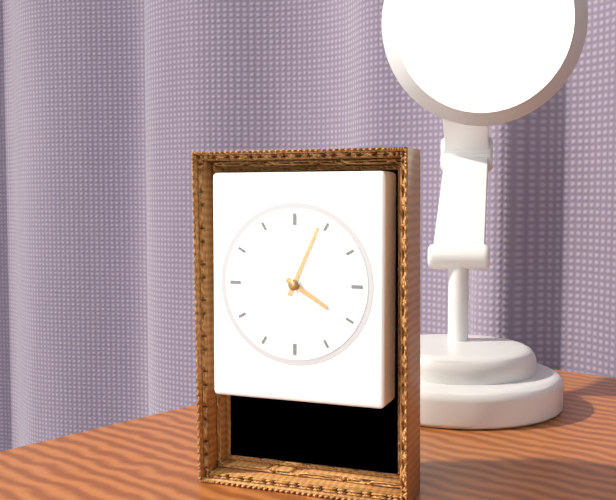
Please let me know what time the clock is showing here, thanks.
4:04
